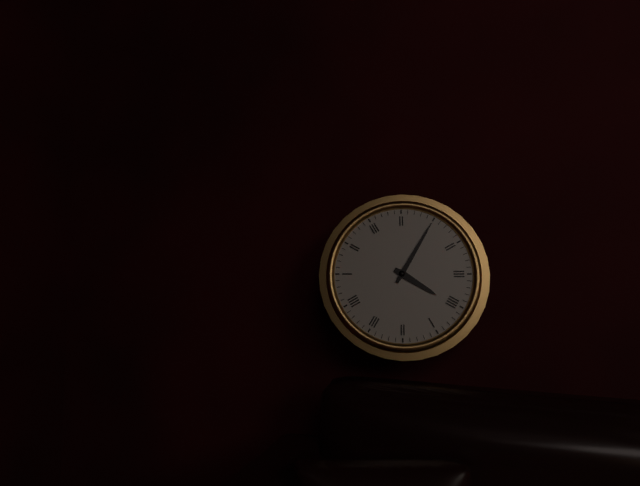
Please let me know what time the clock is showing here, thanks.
4:05
